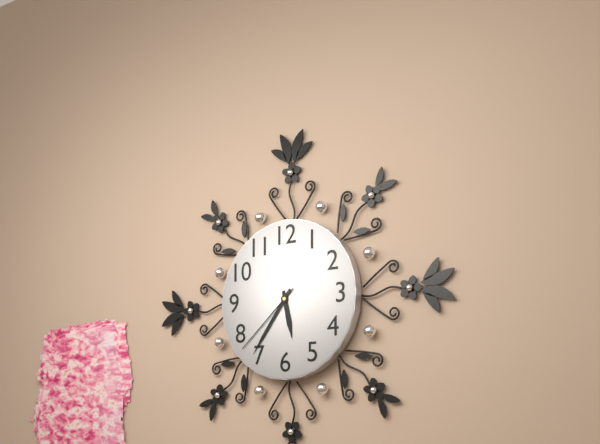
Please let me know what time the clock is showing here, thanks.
5:36:38
